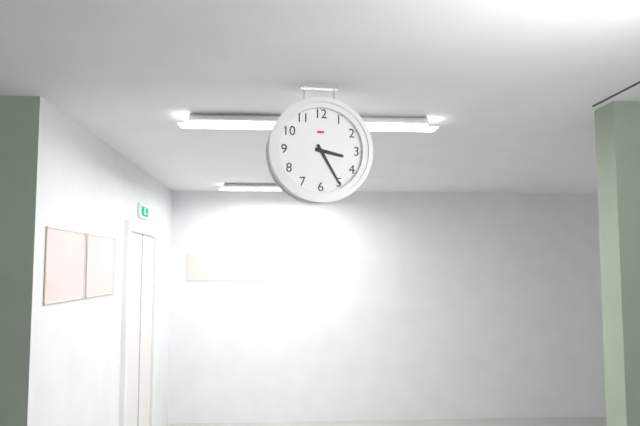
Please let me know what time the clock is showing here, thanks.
3:25
